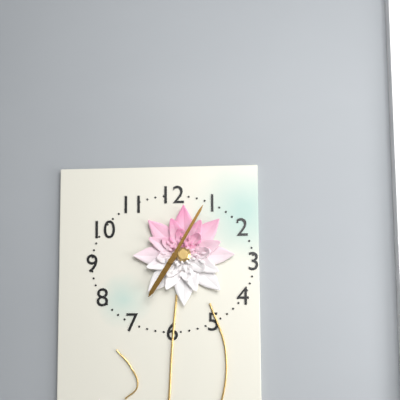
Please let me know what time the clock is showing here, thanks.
7:05
